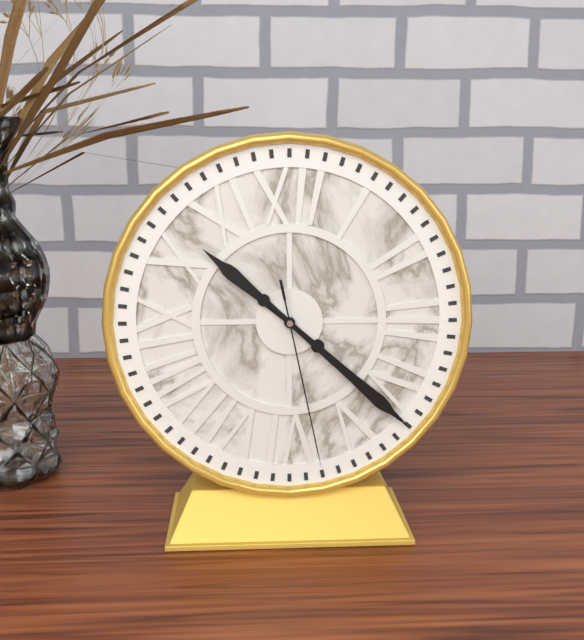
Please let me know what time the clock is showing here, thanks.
10:22:28
